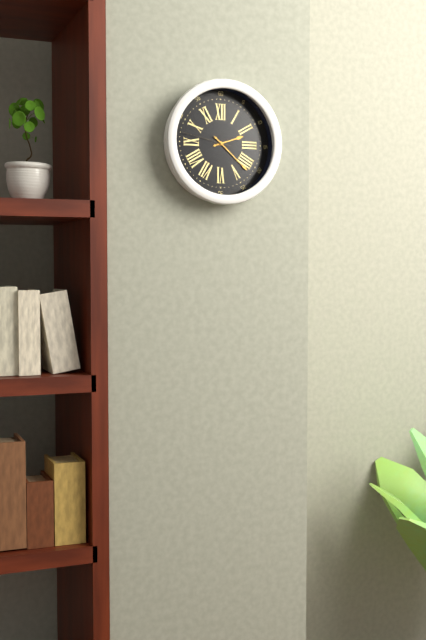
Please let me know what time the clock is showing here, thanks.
2:22:47
